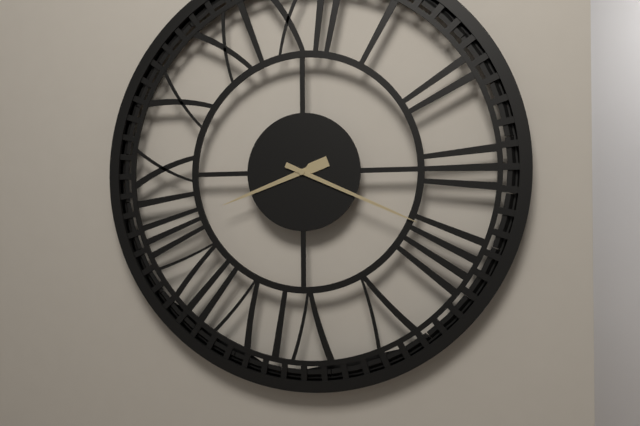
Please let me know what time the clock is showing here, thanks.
8:19
